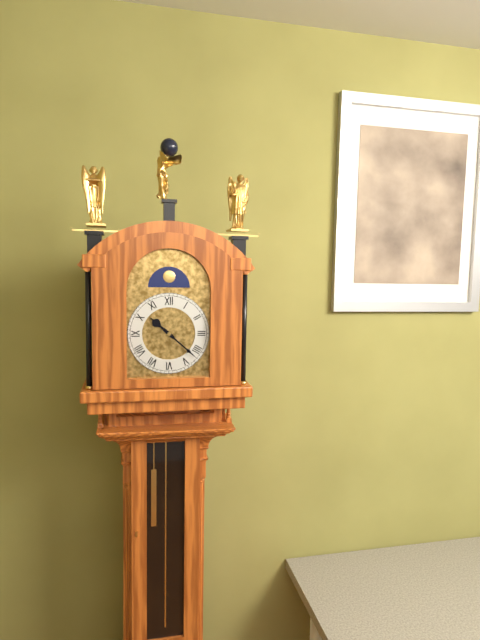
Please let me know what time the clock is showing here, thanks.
10:22
